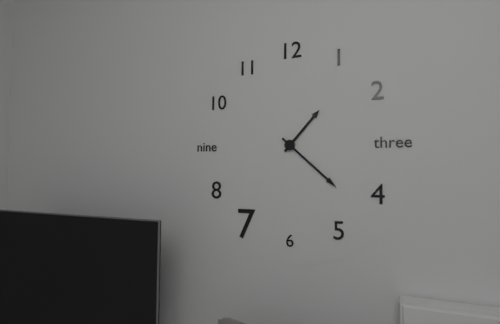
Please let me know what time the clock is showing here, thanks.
1:22
